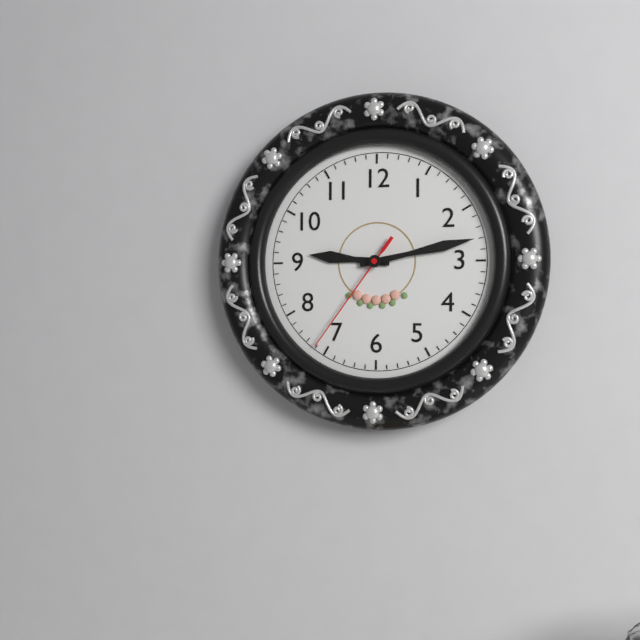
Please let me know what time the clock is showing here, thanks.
9:13:36
